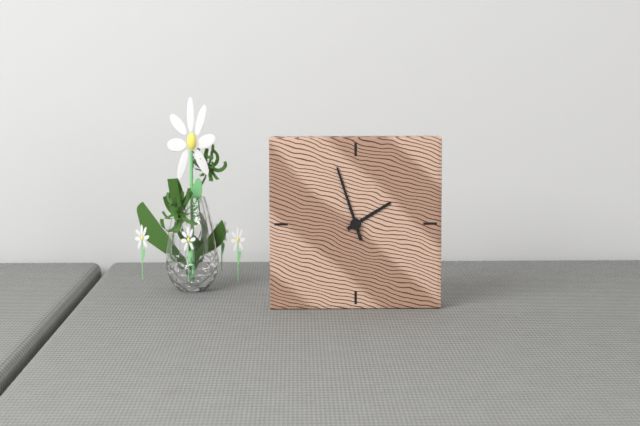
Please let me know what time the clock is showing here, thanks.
1:57
